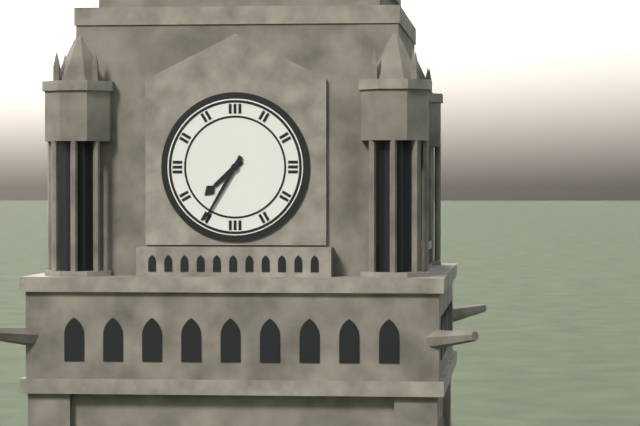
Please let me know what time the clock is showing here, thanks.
7:35
